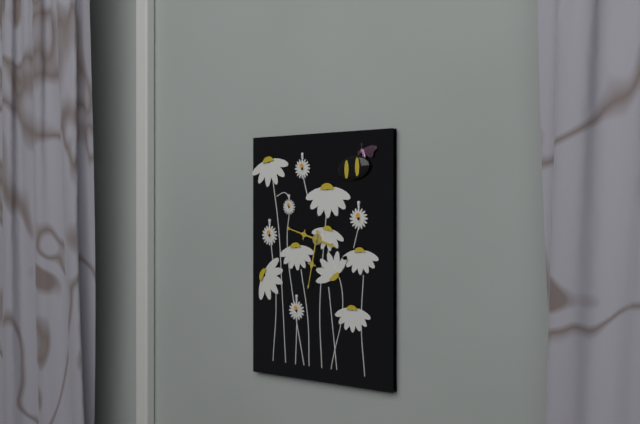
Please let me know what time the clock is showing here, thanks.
9:32
